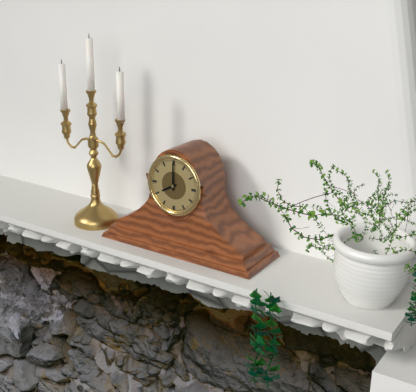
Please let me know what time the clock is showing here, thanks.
8:00
